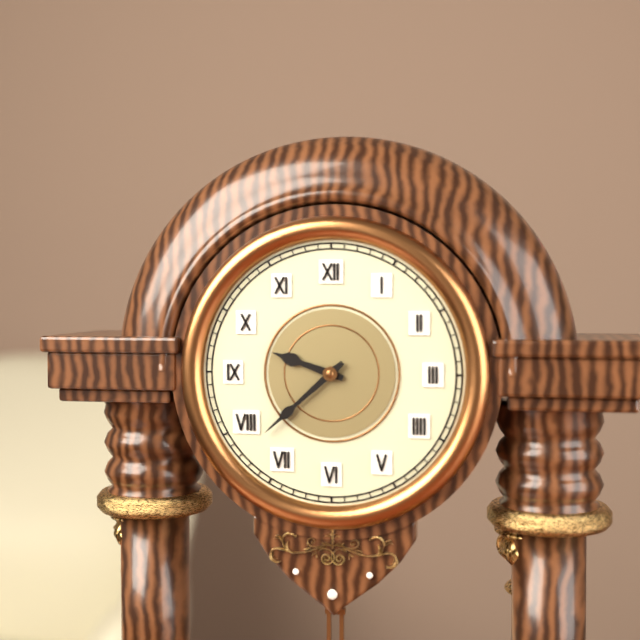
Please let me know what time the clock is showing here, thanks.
9:38
